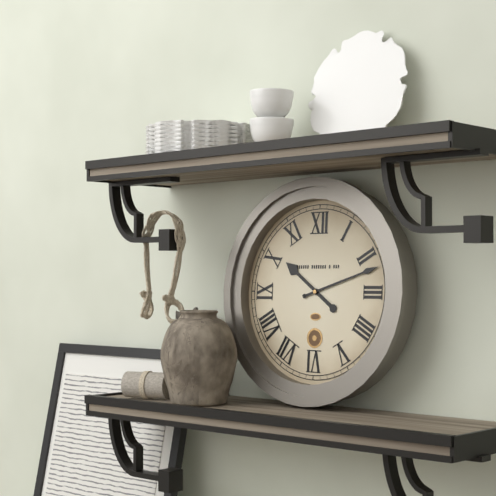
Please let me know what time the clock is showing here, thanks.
10:12
